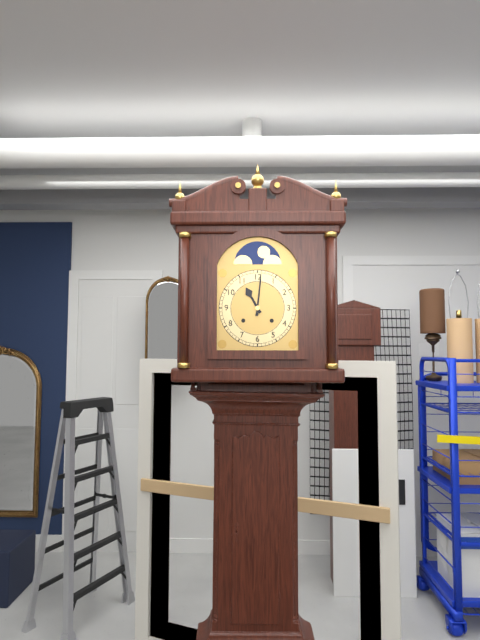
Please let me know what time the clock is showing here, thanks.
11:01
